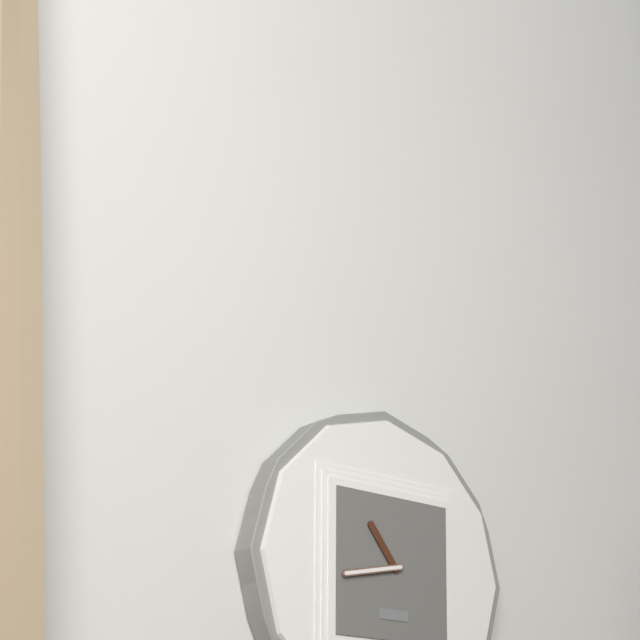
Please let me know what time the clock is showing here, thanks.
10:43
